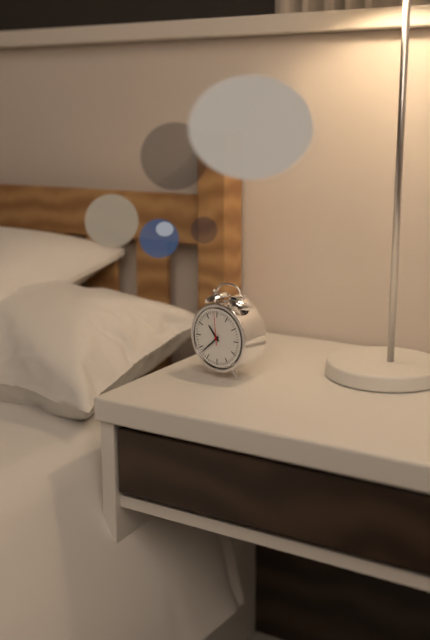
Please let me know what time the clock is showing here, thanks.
10:38
